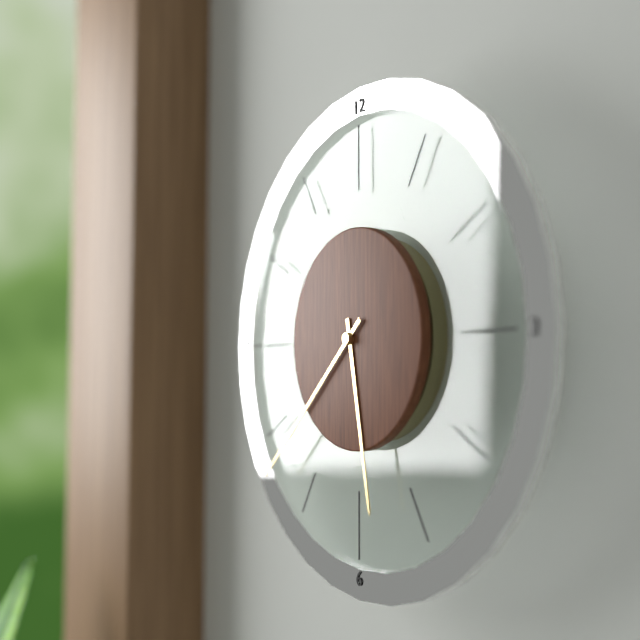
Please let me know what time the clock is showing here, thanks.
5:38
